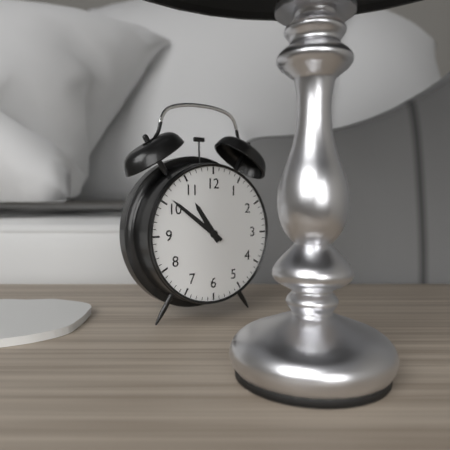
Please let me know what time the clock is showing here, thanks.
10:51
